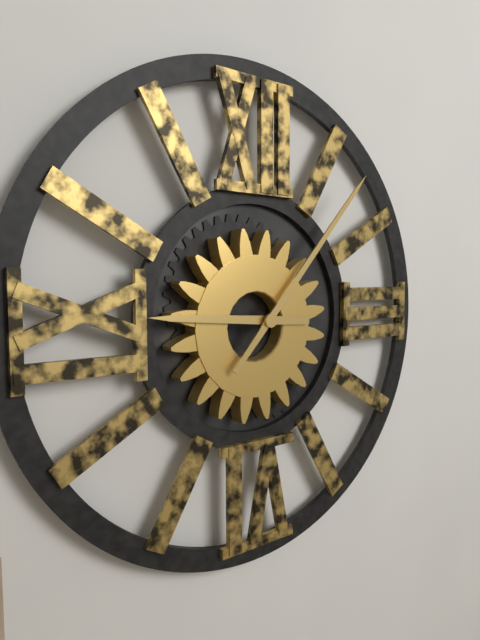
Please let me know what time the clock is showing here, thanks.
9:07
